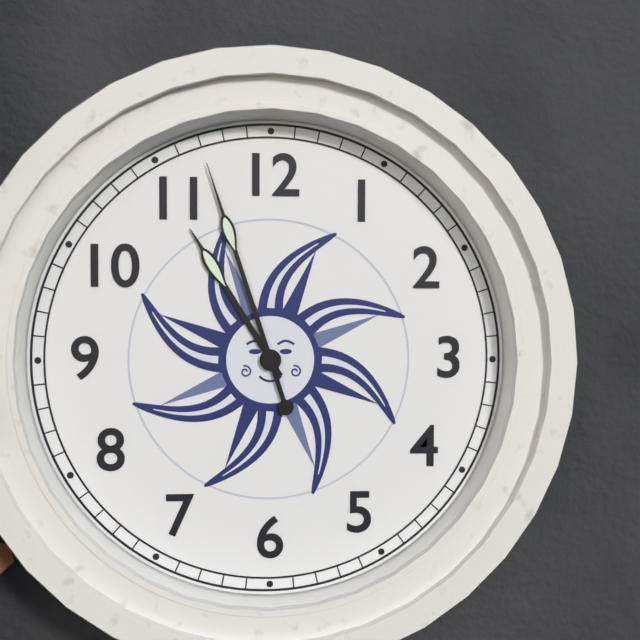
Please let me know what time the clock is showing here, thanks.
10:57
